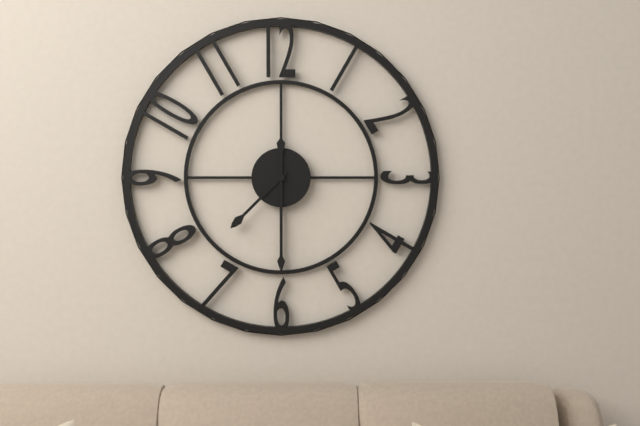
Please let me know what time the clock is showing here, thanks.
7:30
